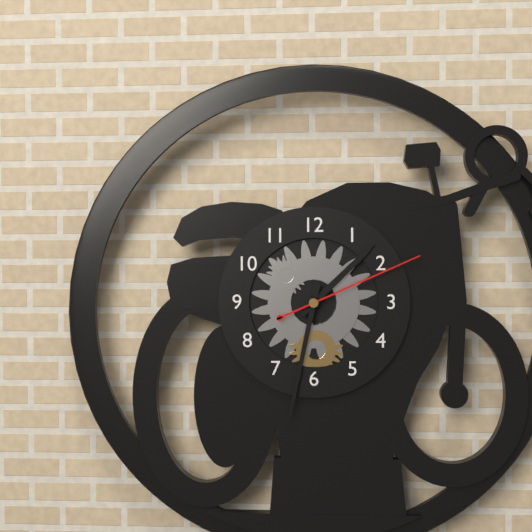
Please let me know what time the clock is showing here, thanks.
1:32:11
